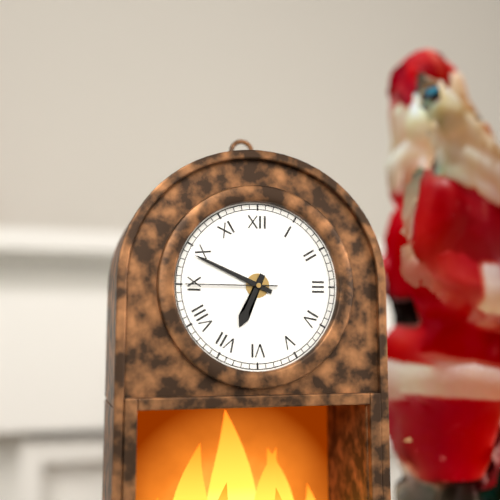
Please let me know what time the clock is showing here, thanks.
6:49:45
